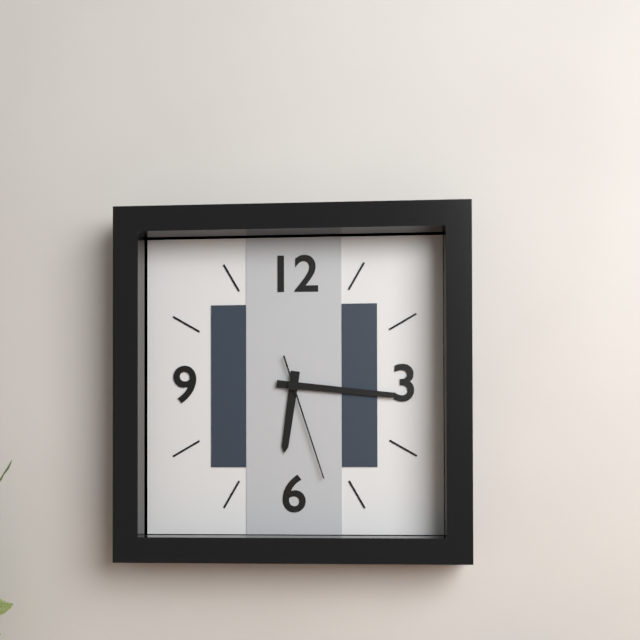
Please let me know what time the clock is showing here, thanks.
6:16:27
